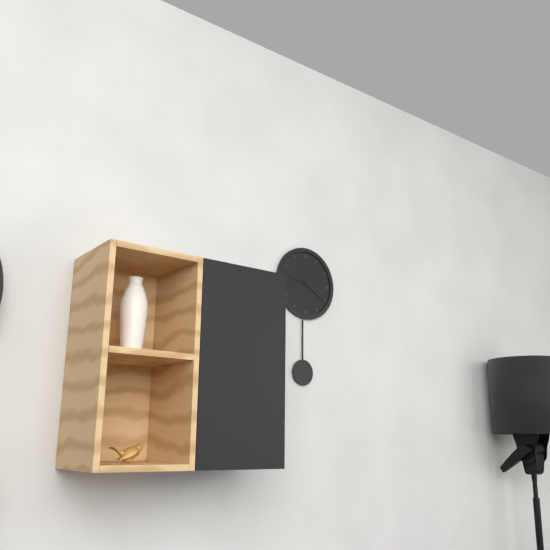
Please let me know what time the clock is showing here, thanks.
9:20
